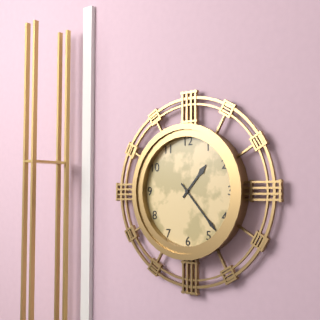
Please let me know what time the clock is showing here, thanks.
1:23
